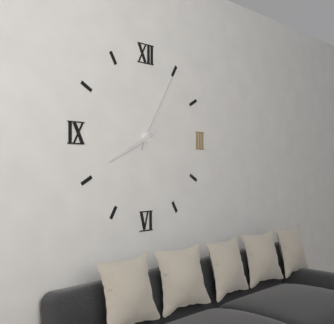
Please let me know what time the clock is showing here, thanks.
8:05
